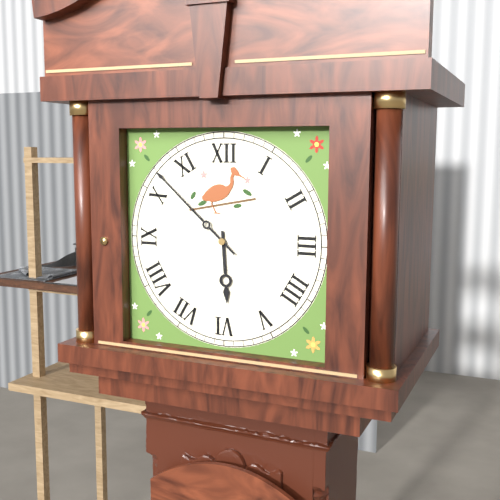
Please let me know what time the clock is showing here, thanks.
5:52
